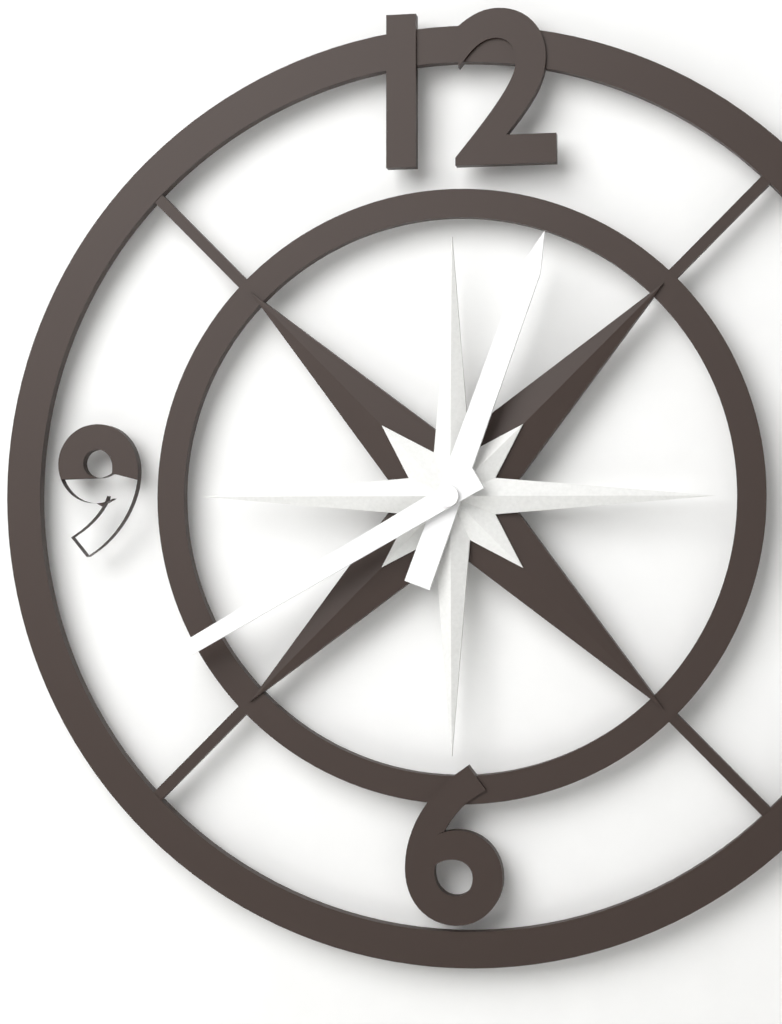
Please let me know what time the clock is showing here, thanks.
12:40
